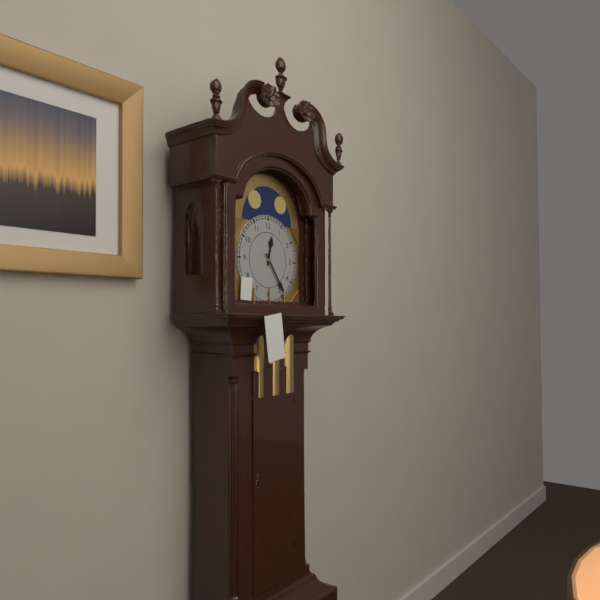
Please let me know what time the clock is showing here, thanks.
12:24
